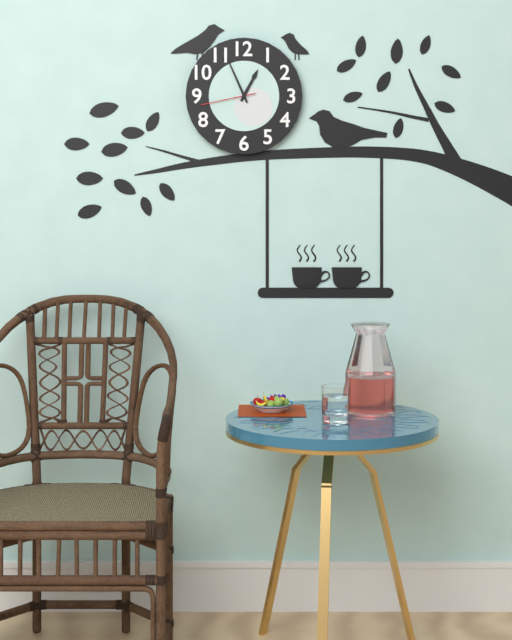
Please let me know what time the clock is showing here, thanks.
12:56:43
